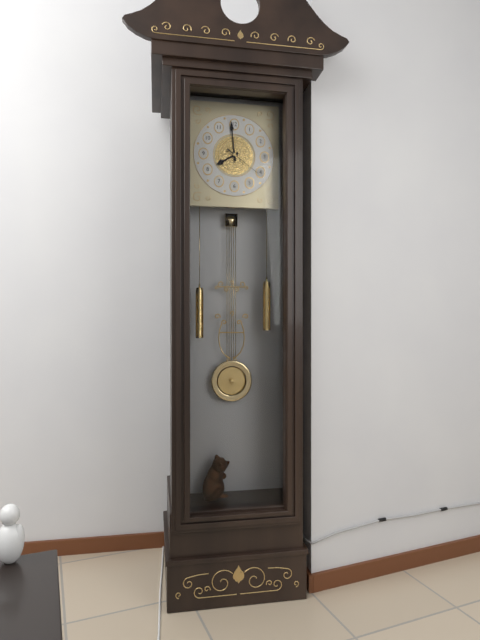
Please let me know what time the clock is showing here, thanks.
7:59
